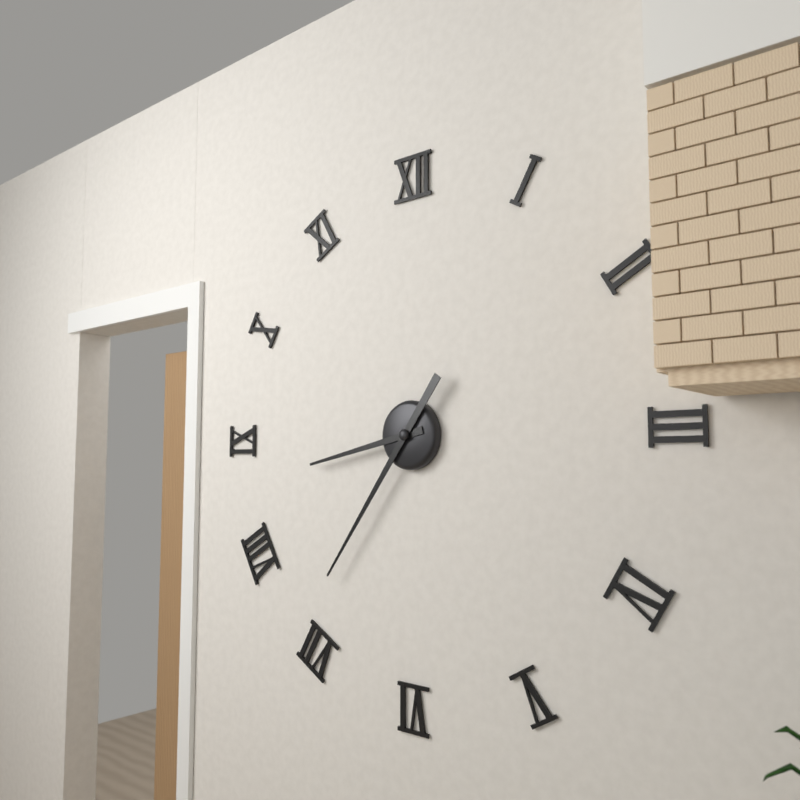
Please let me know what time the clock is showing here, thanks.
8:36
